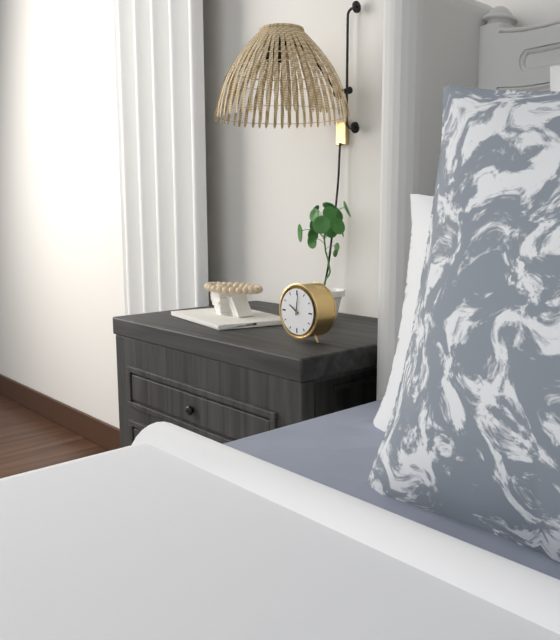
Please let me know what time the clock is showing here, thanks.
10:01
